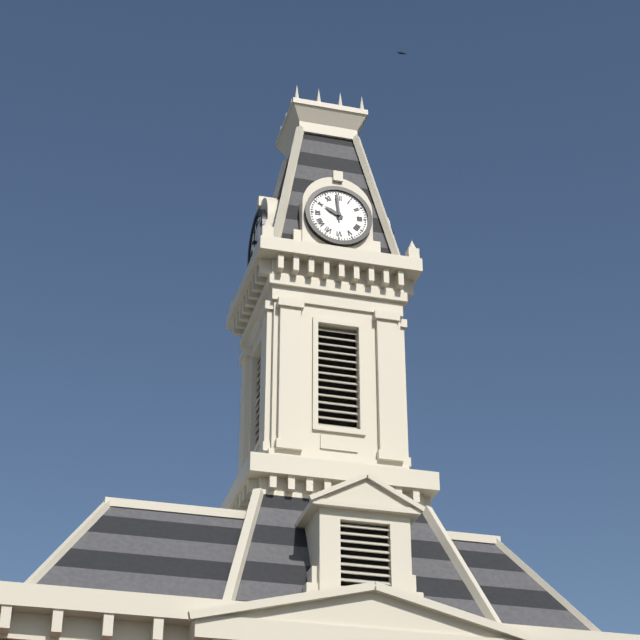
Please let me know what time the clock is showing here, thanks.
9:59
